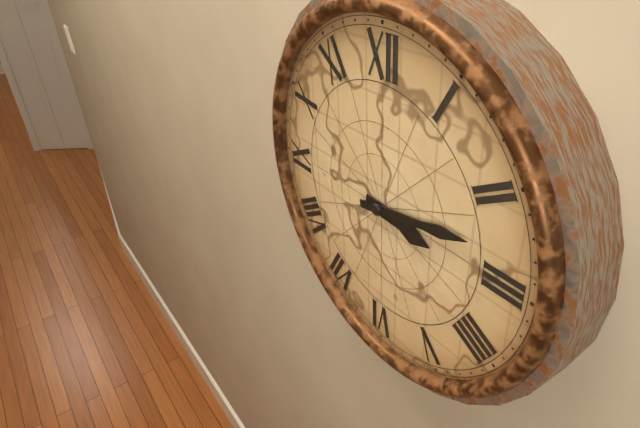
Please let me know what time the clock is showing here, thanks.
3:13
